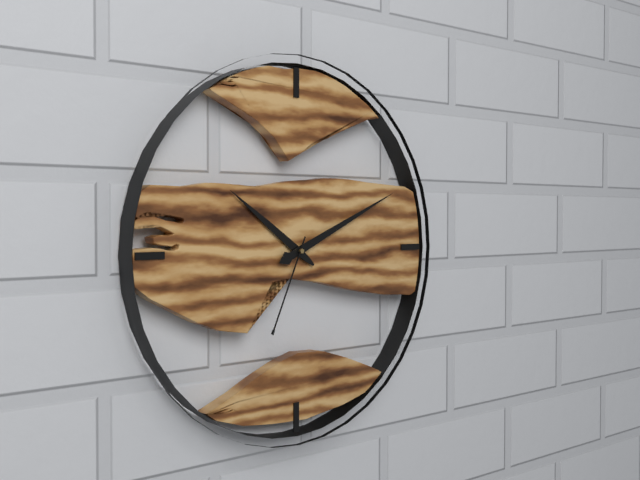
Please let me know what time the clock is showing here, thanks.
10:11:34
